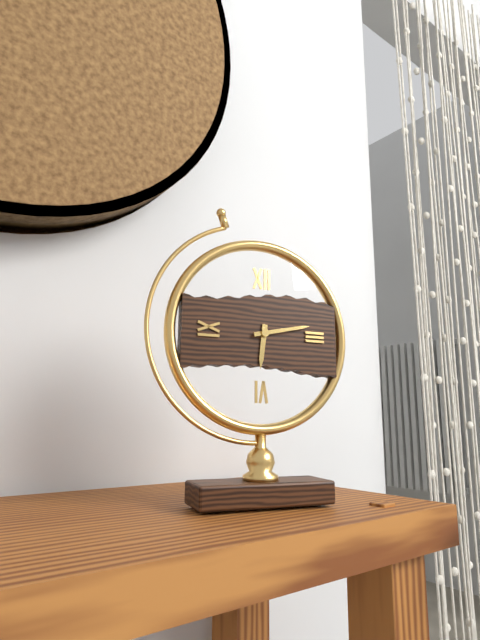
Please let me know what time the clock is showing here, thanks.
6:13
